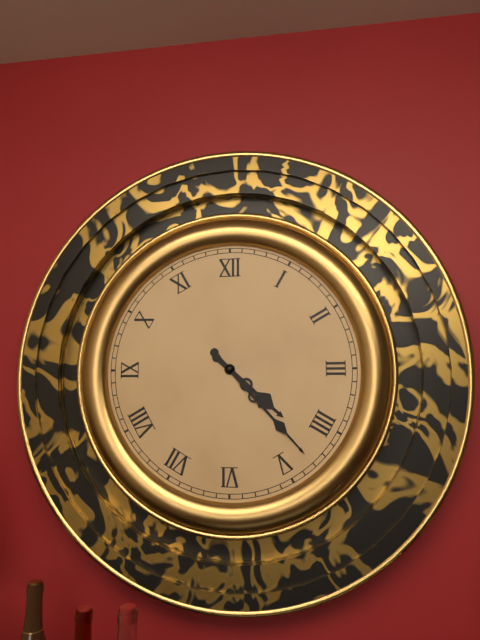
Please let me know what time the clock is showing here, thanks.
4:23
